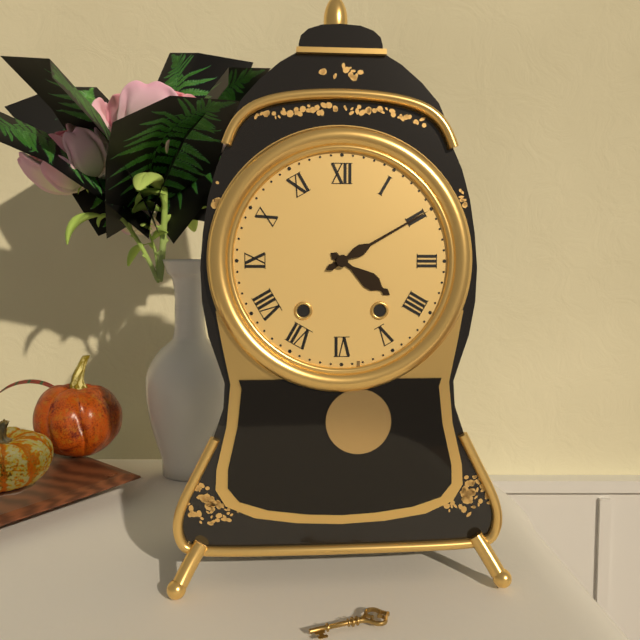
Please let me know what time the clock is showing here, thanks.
4:10
